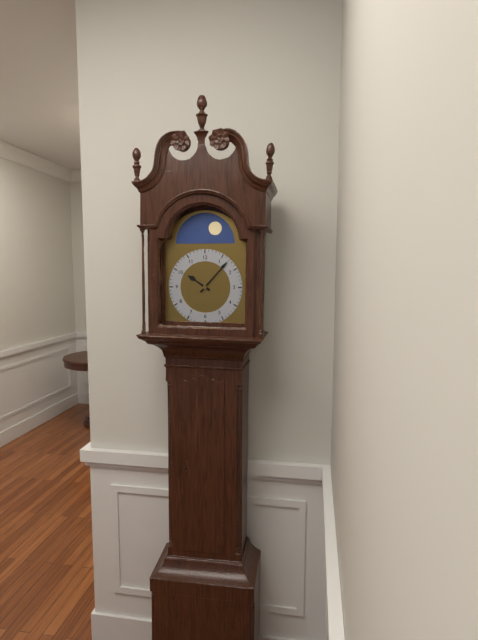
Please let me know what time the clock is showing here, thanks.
10:07
